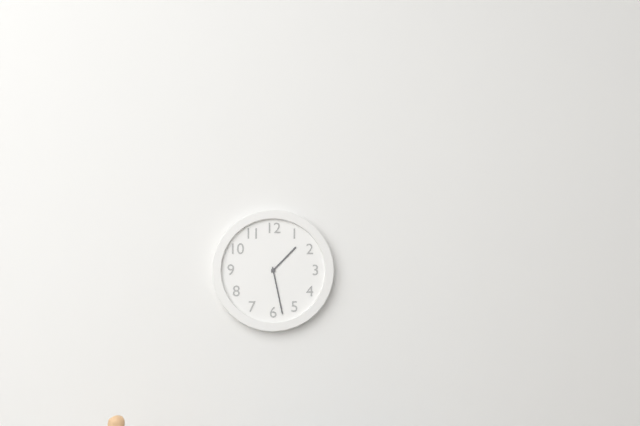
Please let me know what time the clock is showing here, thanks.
1:28
